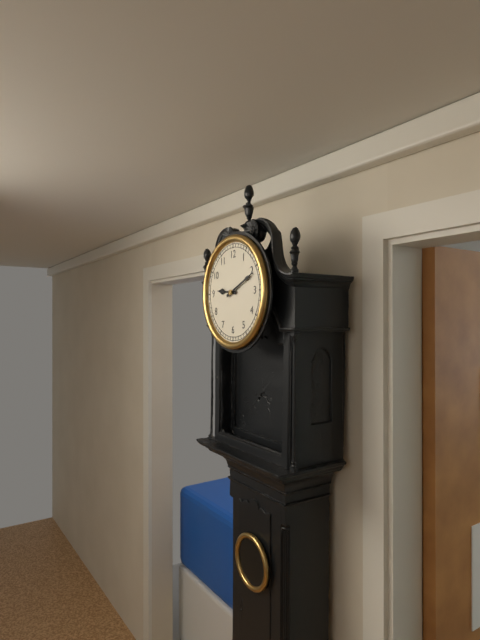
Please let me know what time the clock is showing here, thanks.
9:11
